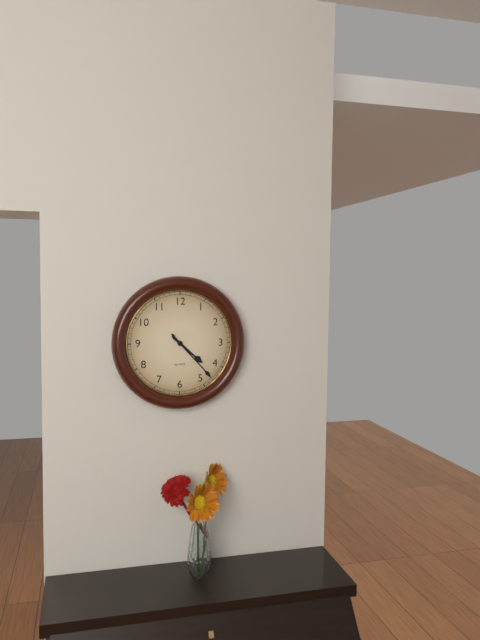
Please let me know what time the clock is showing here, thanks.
4:23
